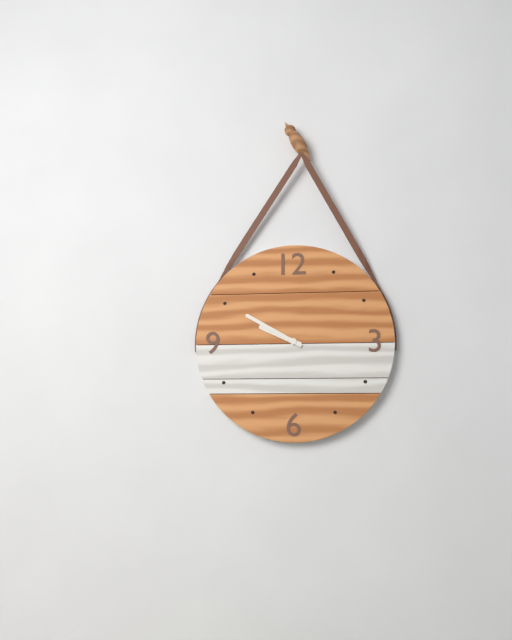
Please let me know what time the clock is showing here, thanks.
9:50
